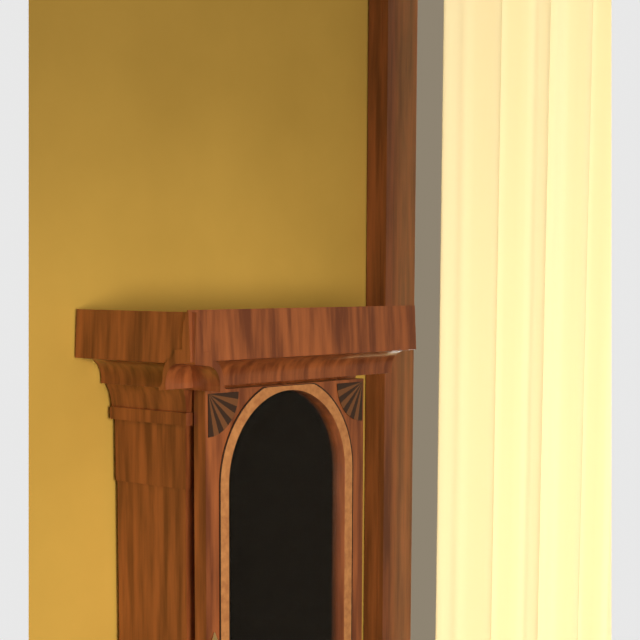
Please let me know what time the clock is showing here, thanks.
12:49
